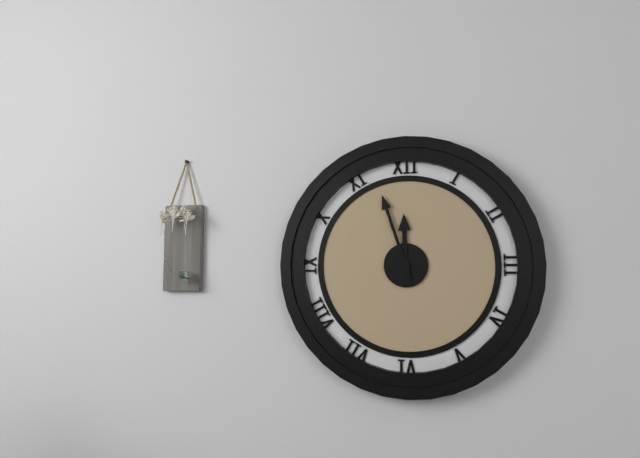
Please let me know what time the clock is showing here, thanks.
11:57
